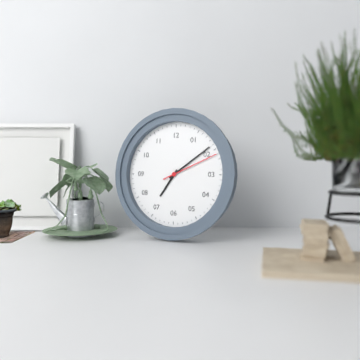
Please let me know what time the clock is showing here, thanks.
7:09:11
